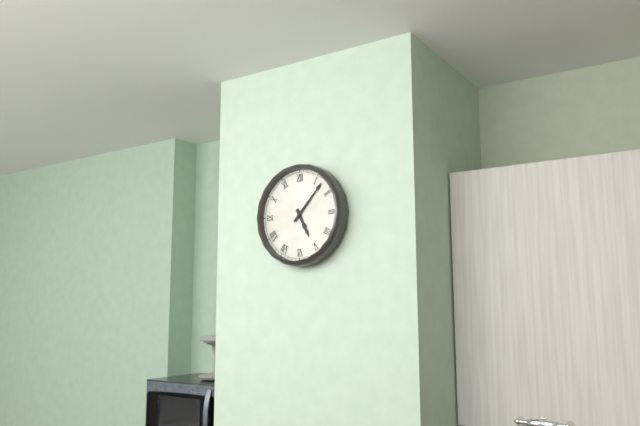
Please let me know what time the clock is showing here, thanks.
5:07
